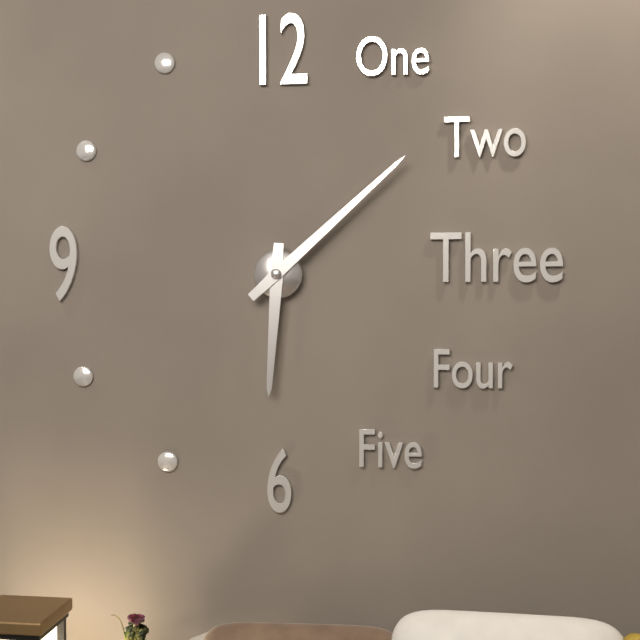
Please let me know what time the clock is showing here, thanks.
6:08
